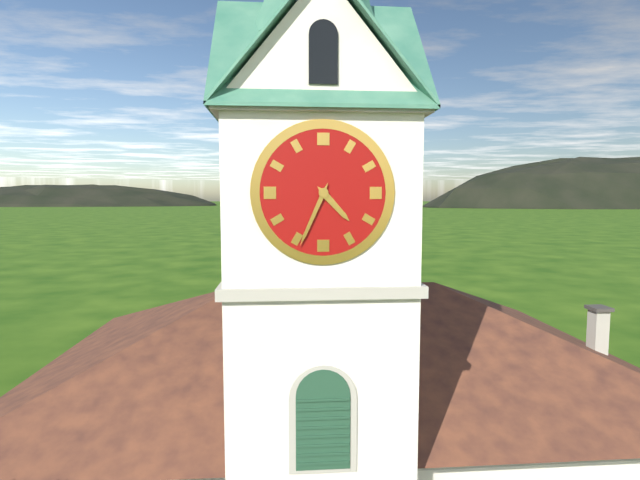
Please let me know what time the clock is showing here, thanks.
4:34
